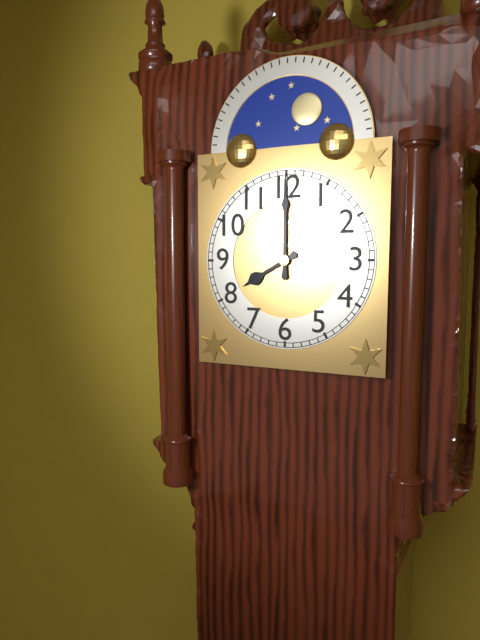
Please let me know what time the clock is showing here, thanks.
8:00
